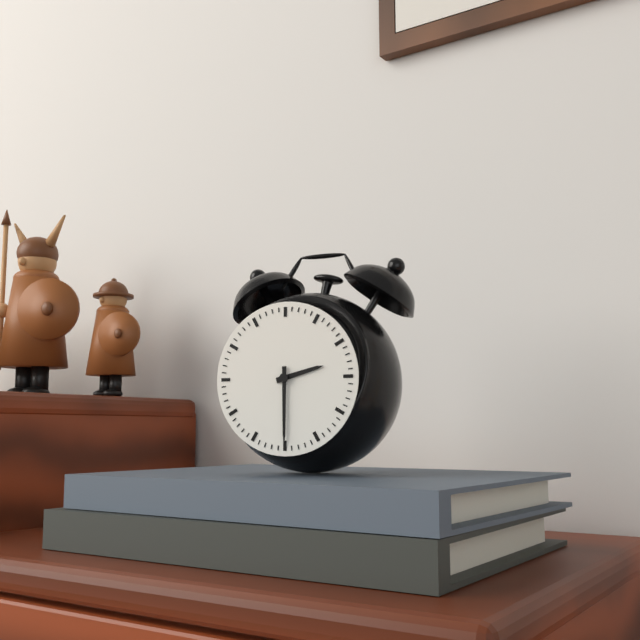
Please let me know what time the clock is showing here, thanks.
2:30
